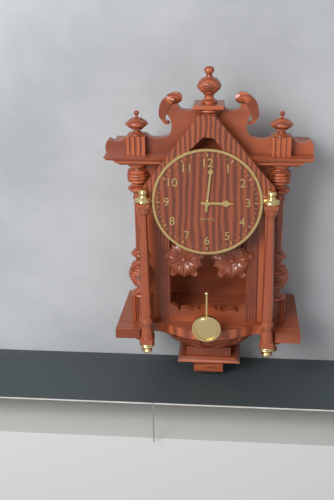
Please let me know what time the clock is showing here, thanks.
3:01
